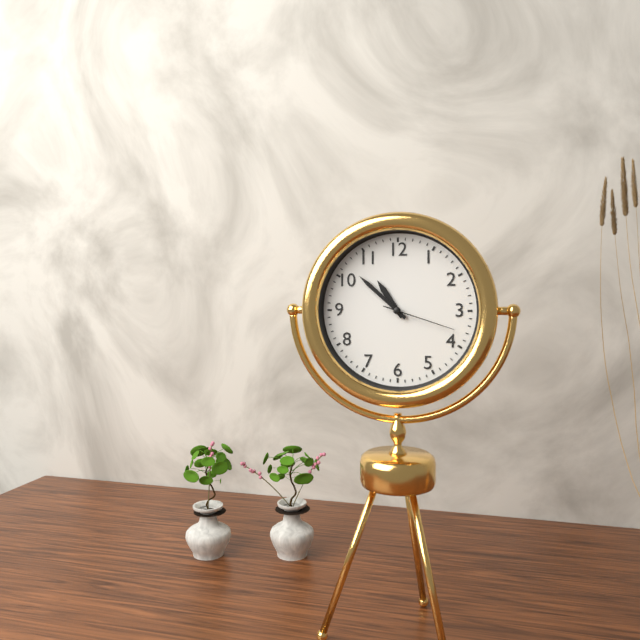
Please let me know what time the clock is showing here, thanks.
10:52:18
